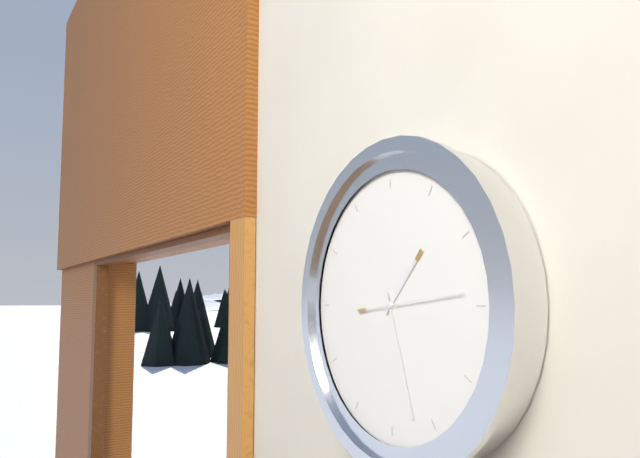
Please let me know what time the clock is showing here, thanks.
1:27:14
